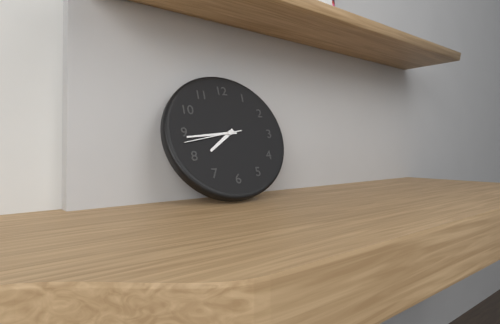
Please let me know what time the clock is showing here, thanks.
7:44:43
